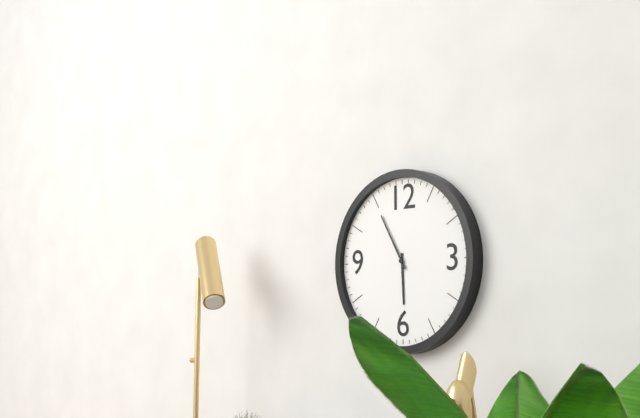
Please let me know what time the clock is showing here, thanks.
5:55
